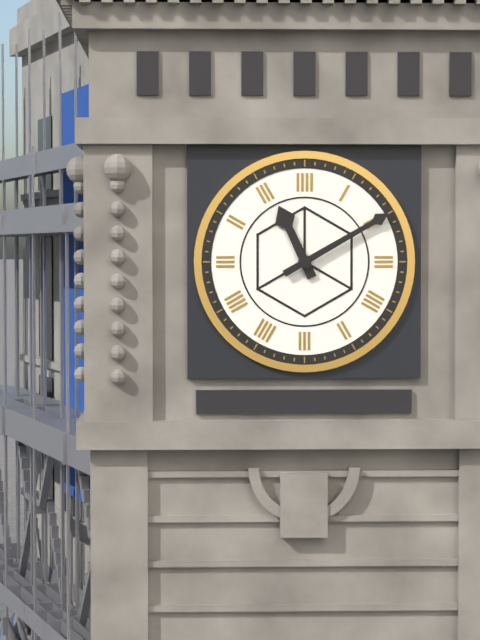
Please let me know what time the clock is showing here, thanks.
11:10
